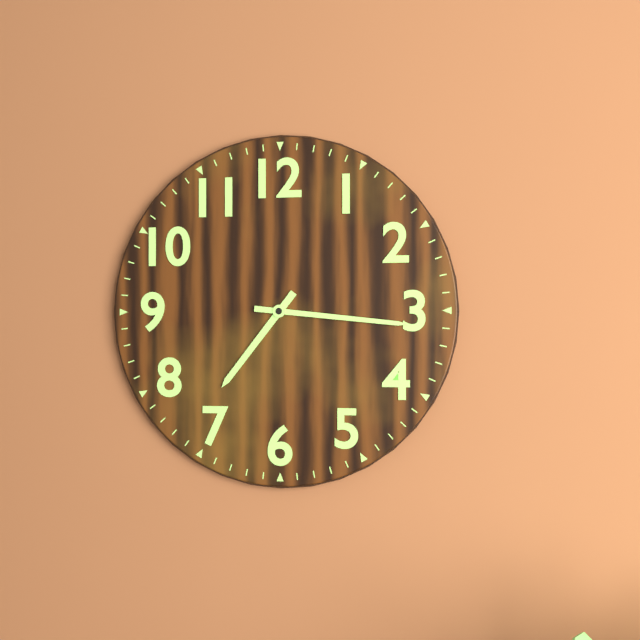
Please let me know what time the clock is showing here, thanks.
7:16
